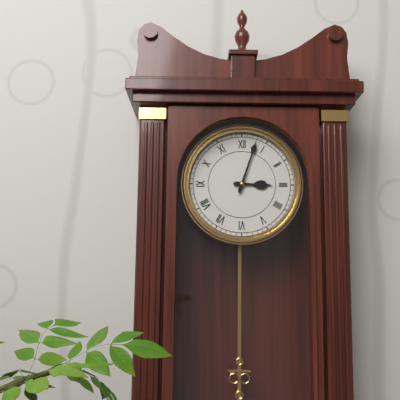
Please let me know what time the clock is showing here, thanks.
3:03
